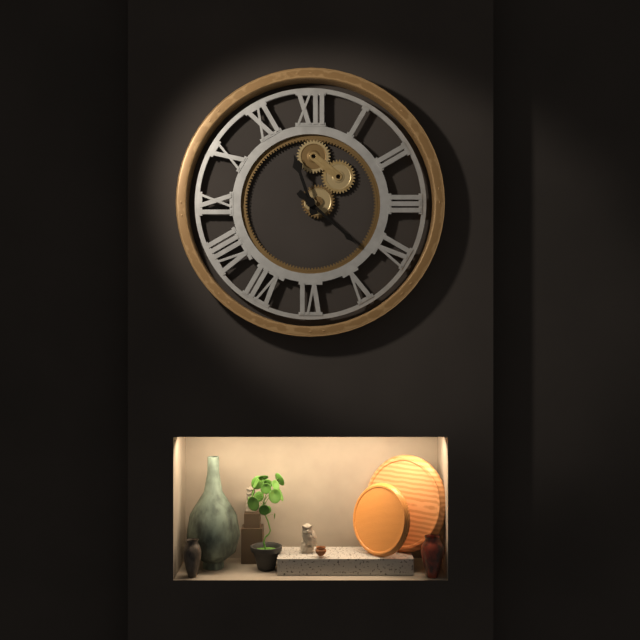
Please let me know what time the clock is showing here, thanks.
11:22
